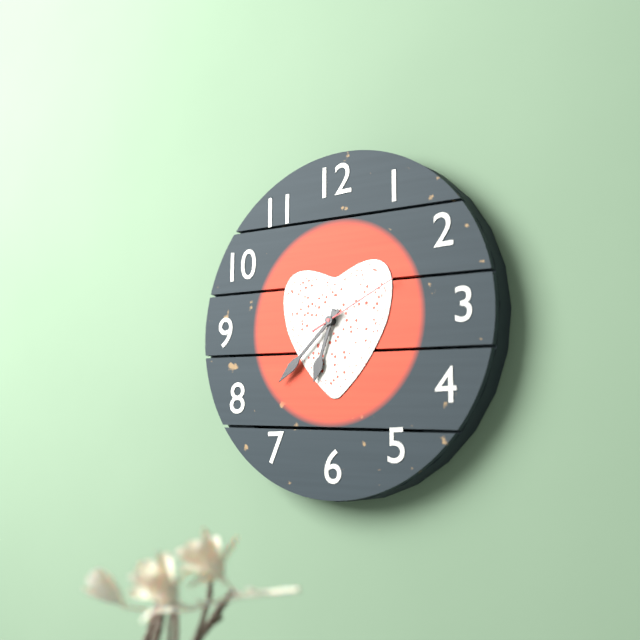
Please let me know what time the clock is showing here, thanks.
6:38:11
